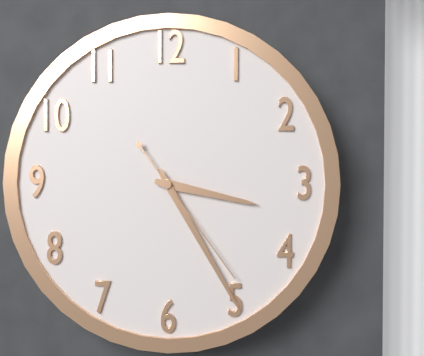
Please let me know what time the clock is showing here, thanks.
3:25:24
